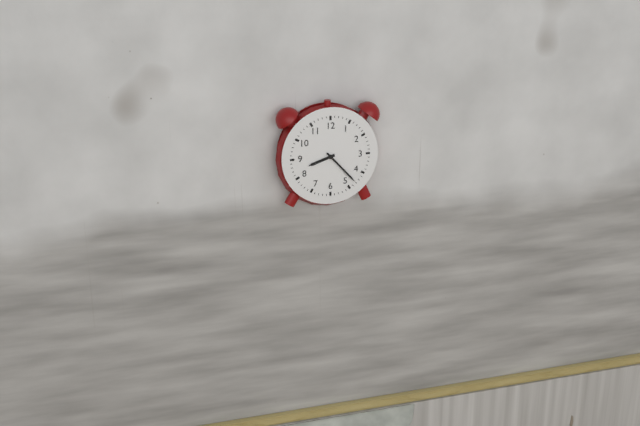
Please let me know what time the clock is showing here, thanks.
8:23
